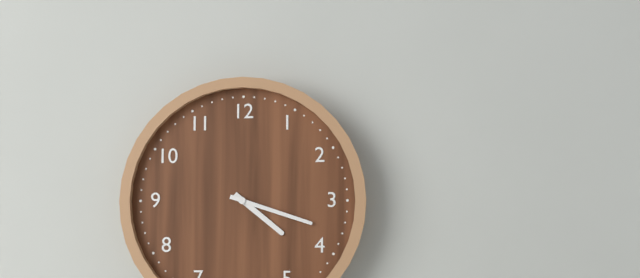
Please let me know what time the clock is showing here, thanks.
4:18
